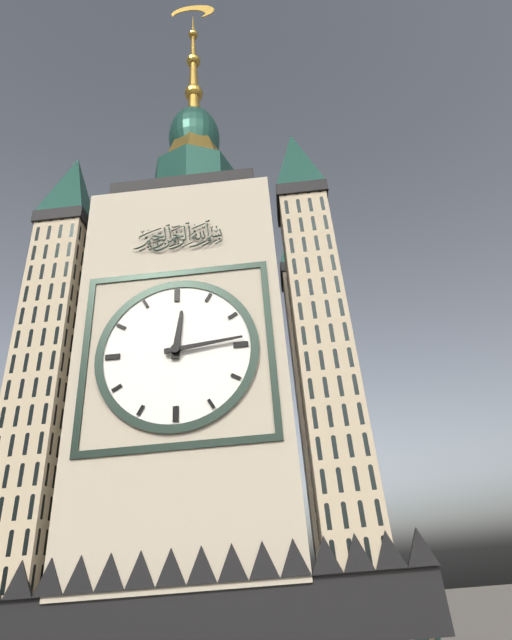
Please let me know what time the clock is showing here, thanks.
12:14
